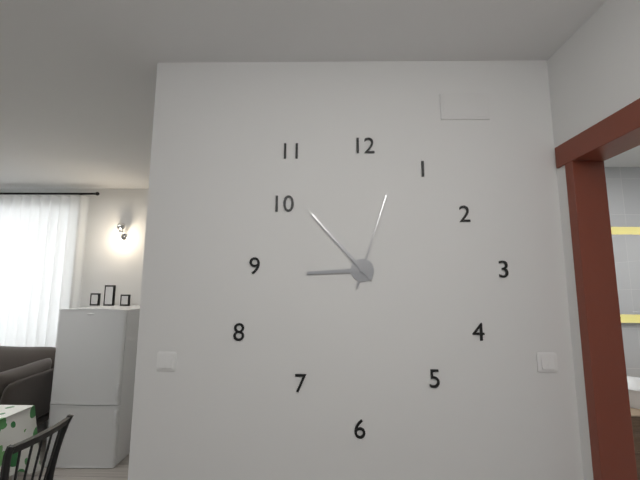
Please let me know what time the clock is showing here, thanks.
8:53:03
